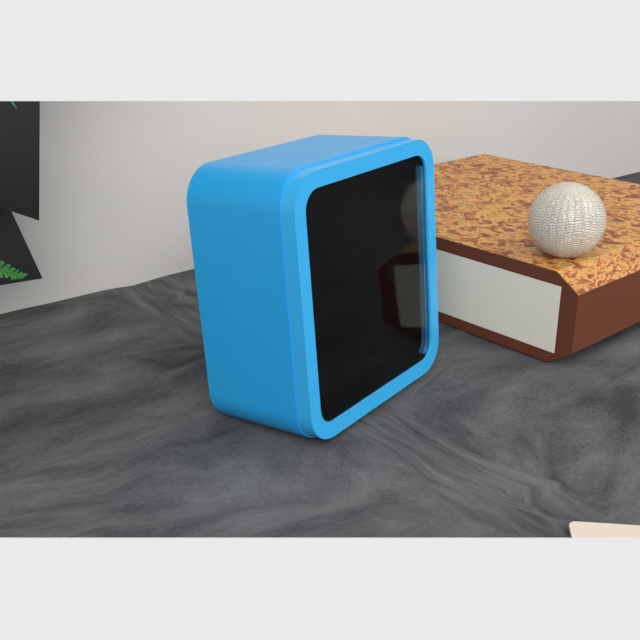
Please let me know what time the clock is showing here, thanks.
9:36
